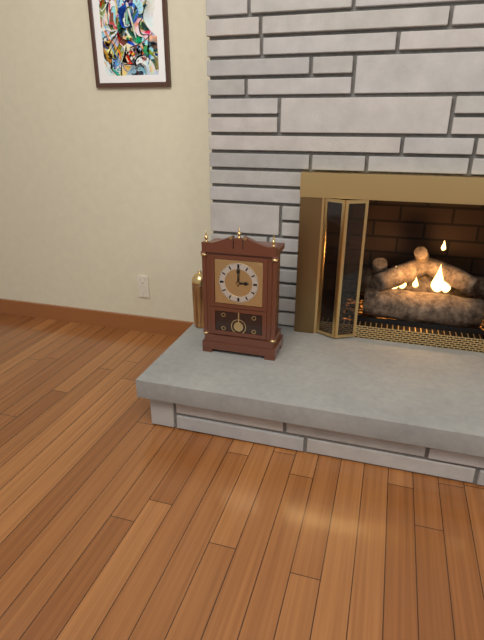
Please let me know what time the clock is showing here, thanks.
3:00
